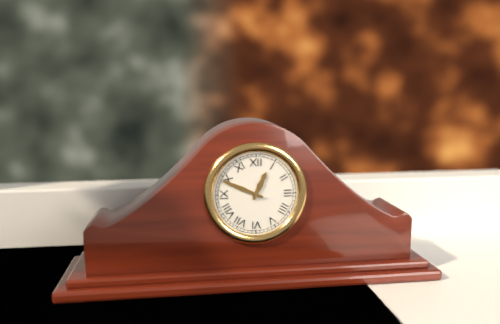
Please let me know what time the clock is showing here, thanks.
12:49
